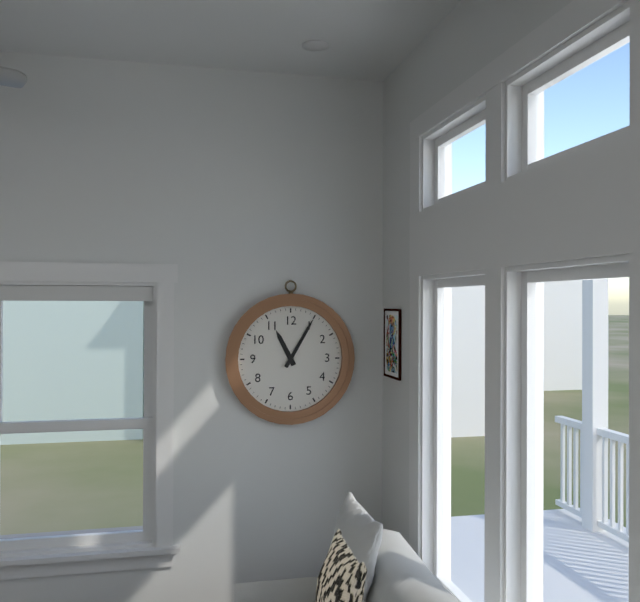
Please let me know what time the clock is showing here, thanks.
11:05
